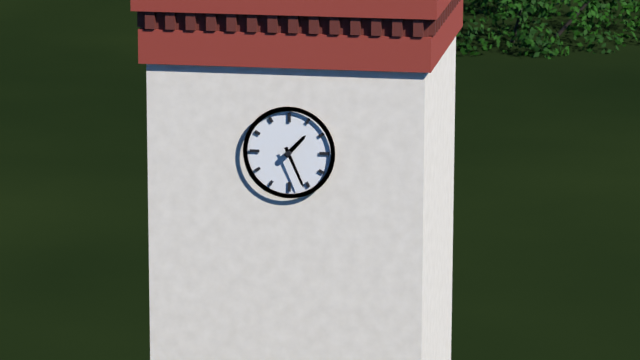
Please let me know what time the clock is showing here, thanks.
1:26
